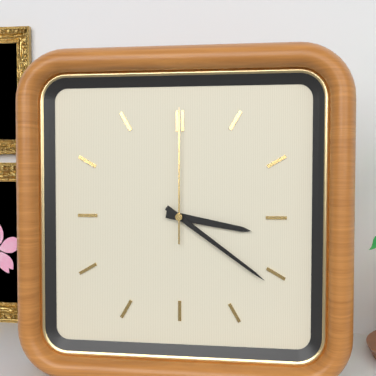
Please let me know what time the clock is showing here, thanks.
3:21:00
